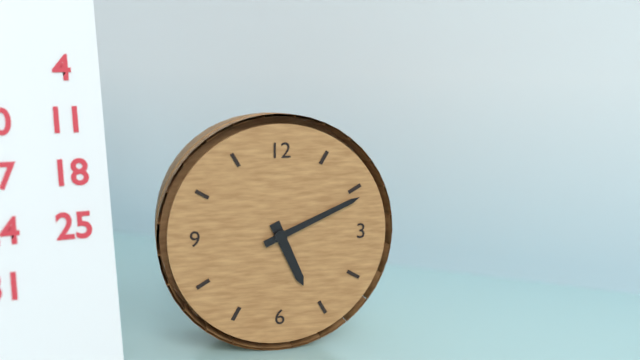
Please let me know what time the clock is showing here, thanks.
5:11
